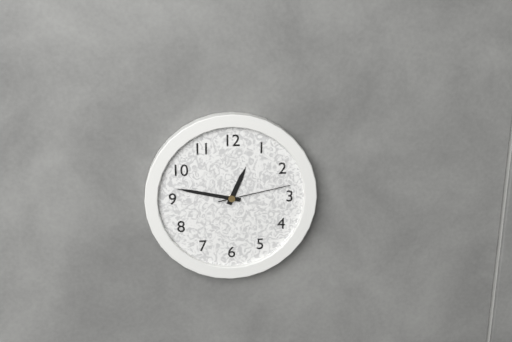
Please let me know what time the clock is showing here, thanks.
12:47:13
